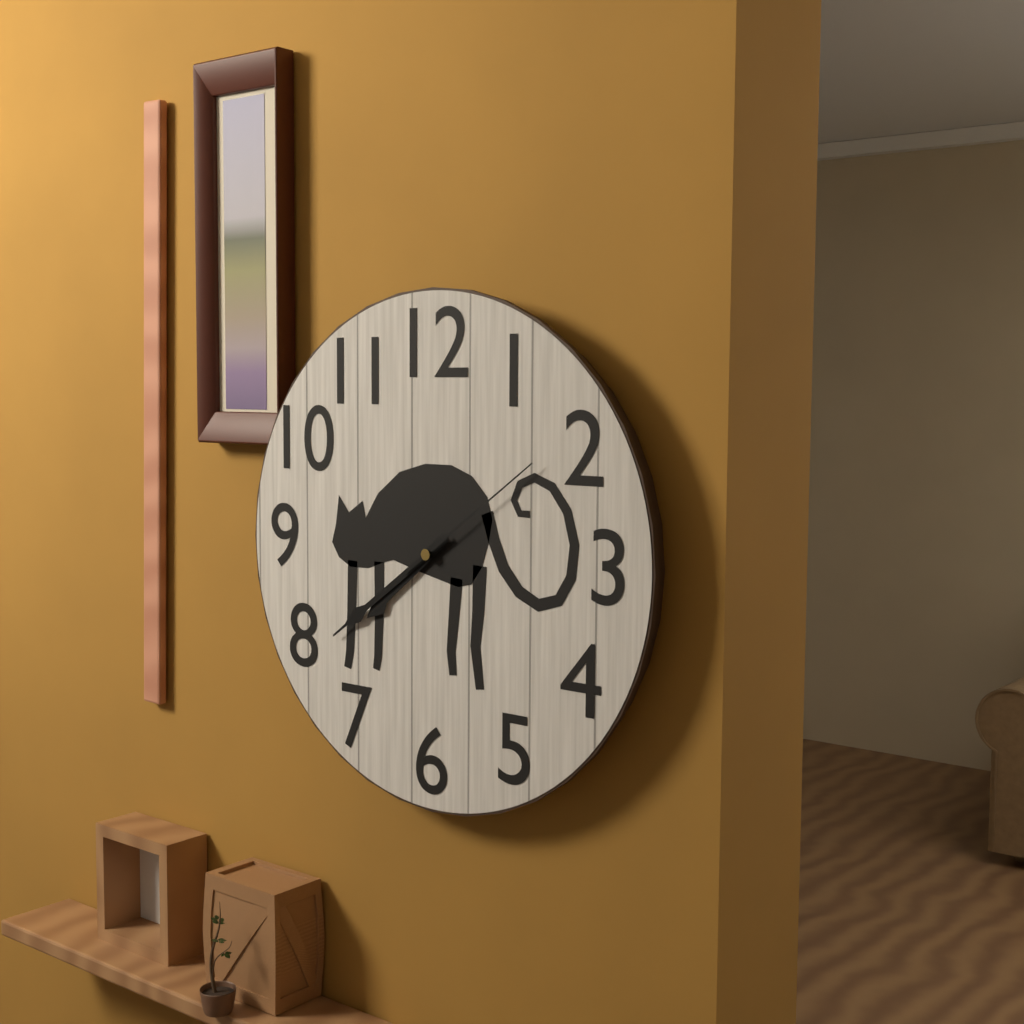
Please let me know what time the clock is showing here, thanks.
7:39:09
